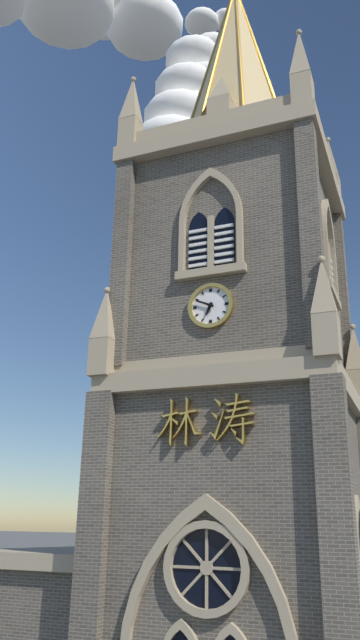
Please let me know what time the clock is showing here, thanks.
6:49
